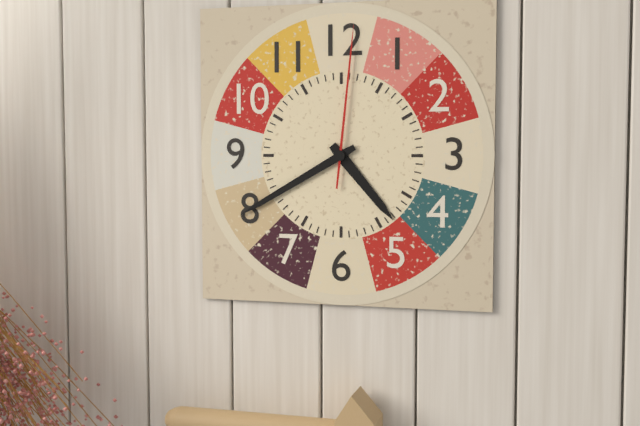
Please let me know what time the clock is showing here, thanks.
4:40:01
